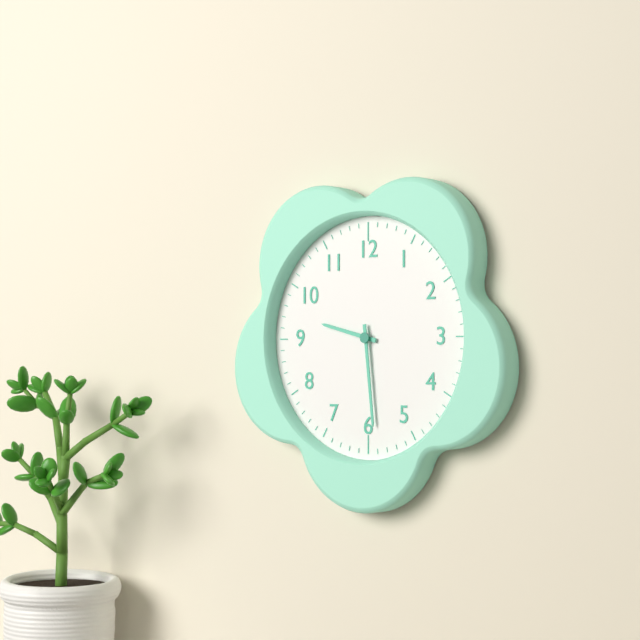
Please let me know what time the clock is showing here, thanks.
9:29
